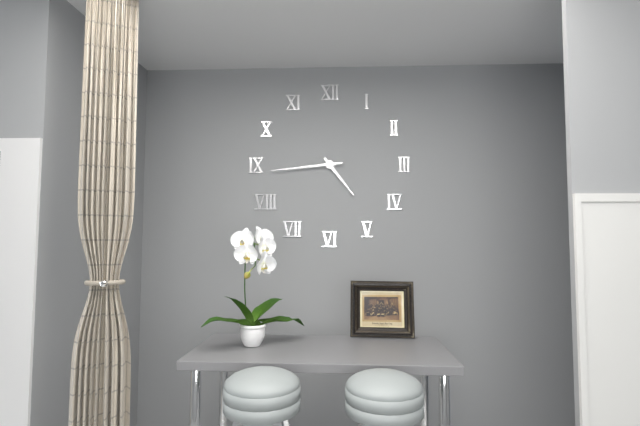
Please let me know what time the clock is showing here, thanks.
4:44
